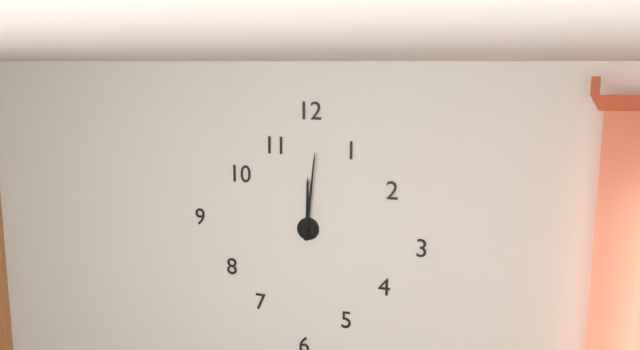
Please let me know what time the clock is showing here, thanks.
12:01
